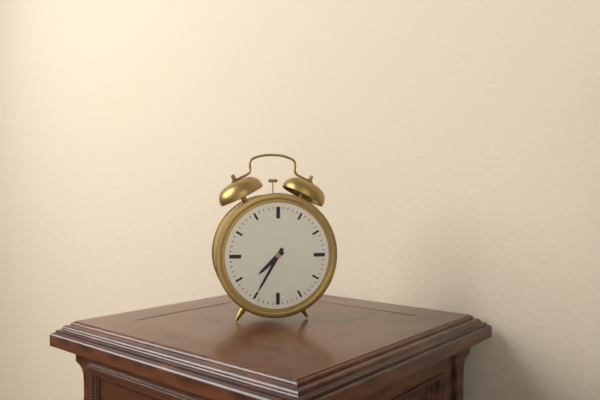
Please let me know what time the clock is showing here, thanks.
7:35
